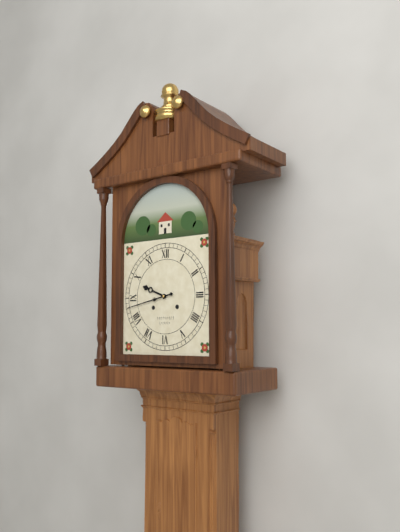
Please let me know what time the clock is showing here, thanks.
9:43
